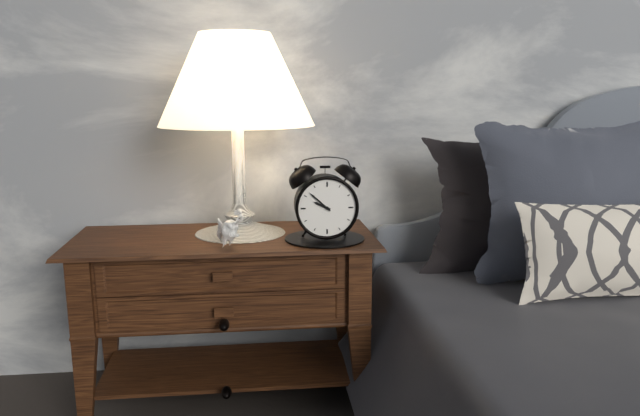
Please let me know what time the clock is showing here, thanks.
9:52
